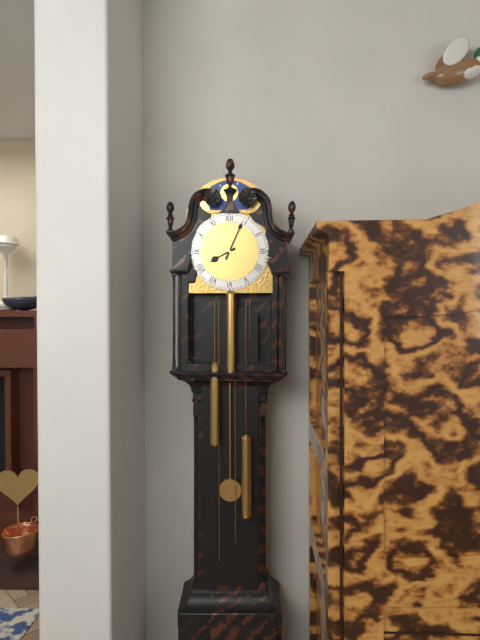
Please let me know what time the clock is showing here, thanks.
8:04
